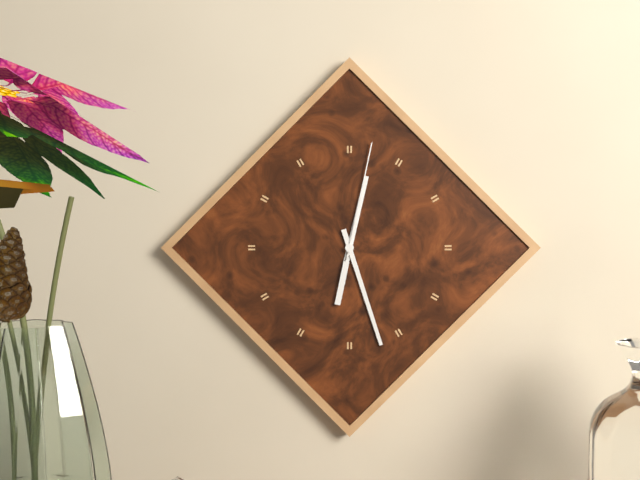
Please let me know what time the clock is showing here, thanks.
12:27:02
